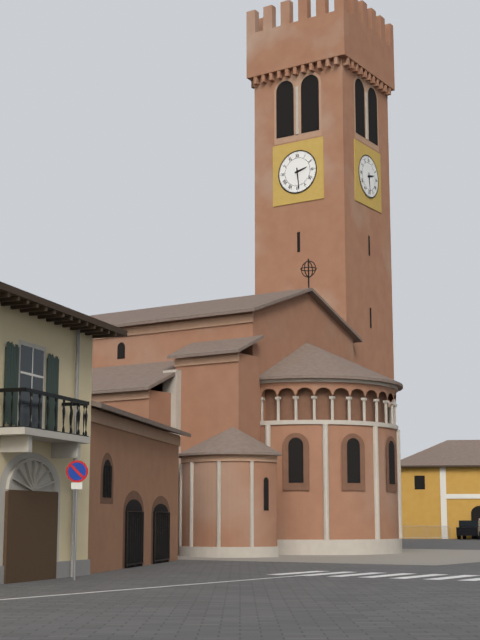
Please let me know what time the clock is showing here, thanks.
2:29
